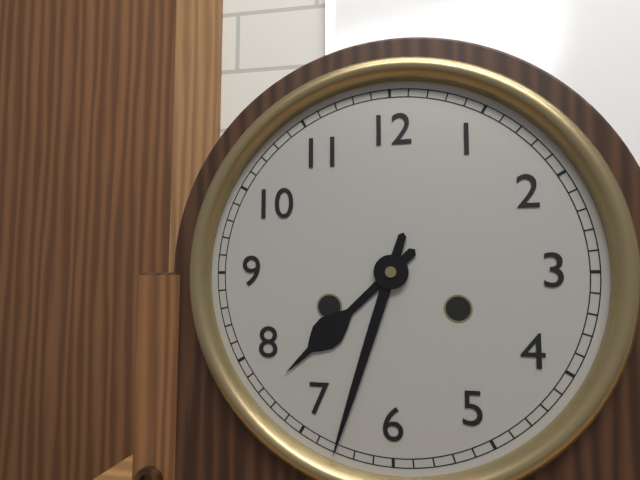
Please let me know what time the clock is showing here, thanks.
7:33
